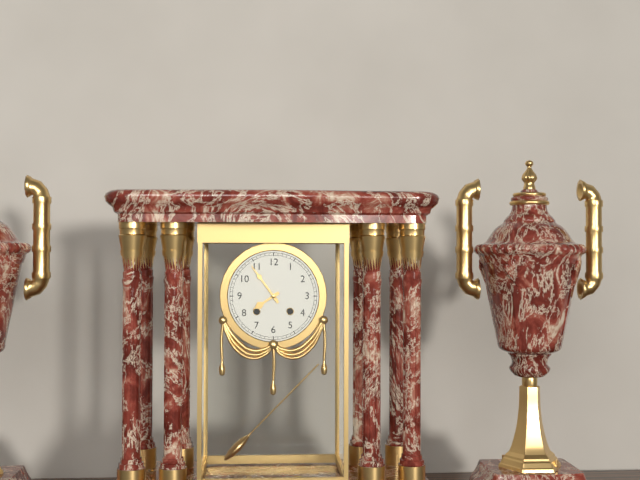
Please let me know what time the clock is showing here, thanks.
7:54
